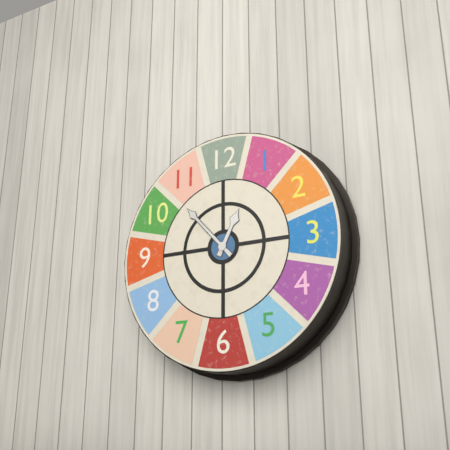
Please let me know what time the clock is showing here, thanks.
12:53
